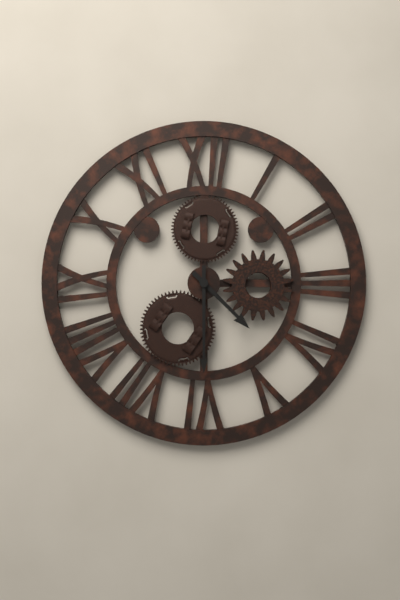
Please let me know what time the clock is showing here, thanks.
4:30
